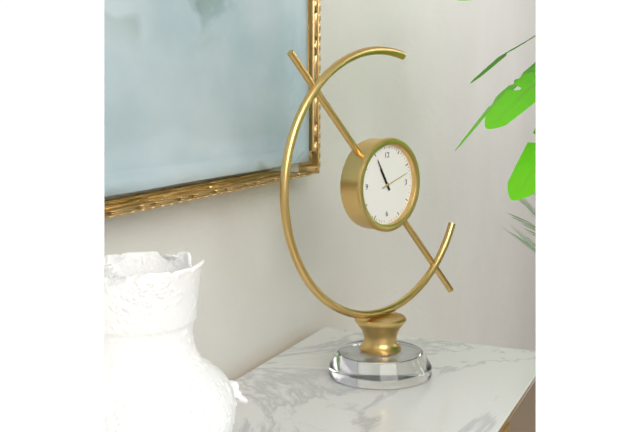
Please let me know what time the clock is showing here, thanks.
10:55
